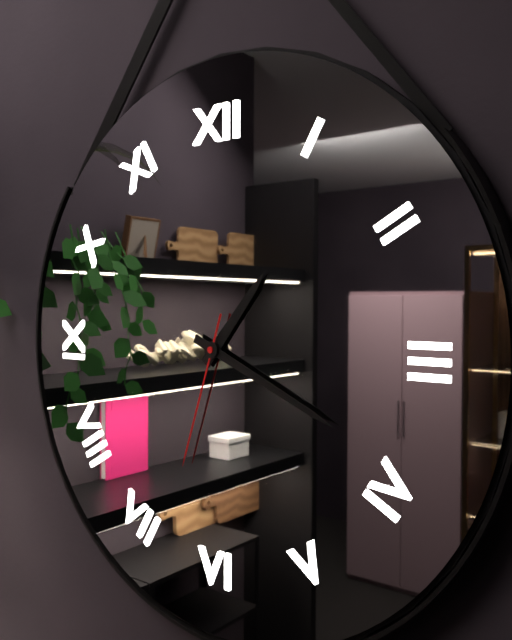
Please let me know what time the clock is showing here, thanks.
1:19:33
